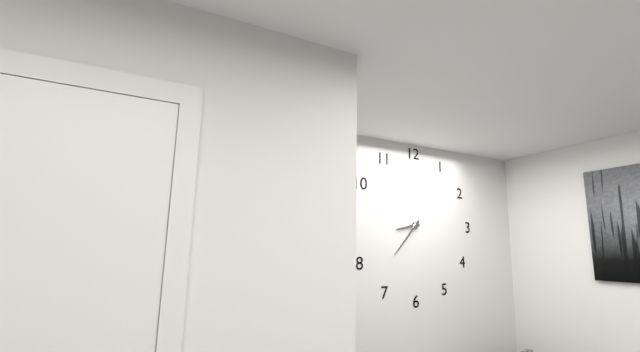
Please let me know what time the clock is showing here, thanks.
8:37
